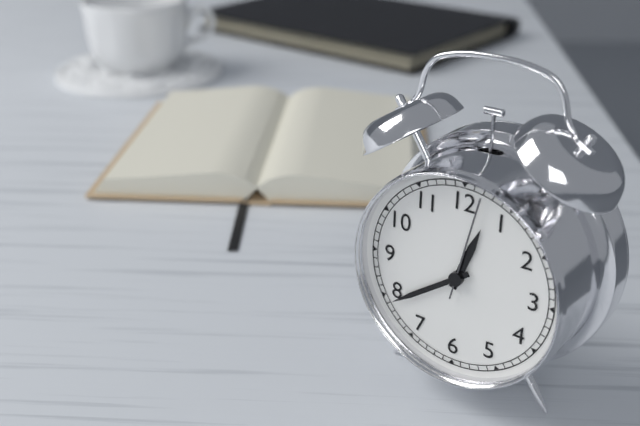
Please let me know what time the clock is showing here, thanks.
12:39:02
